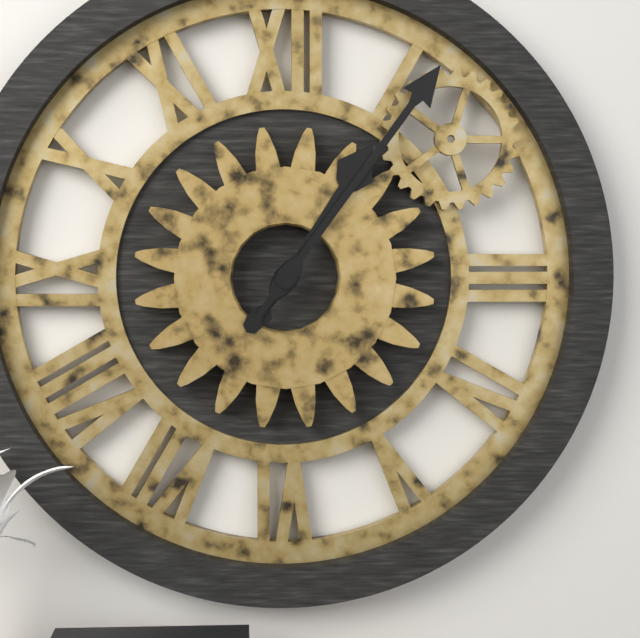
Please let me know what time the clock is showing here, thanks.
1:06
